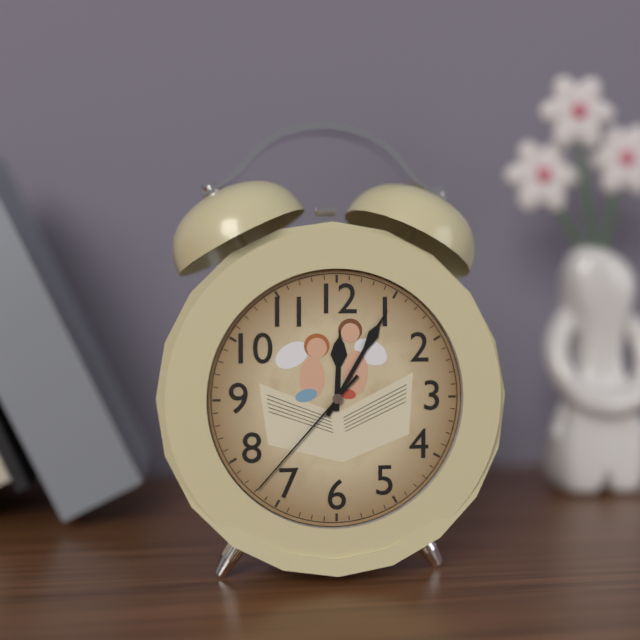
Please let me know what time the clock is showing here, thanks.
12:05:37
